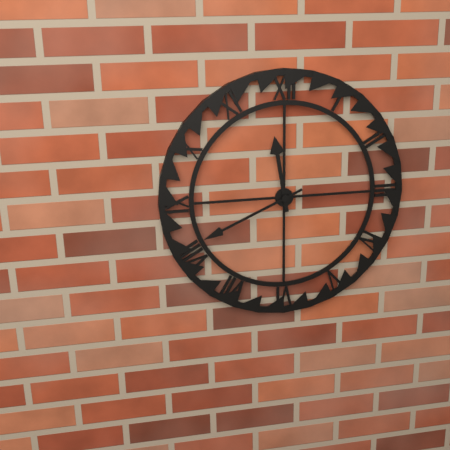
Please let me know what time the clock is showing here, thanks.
11:41
